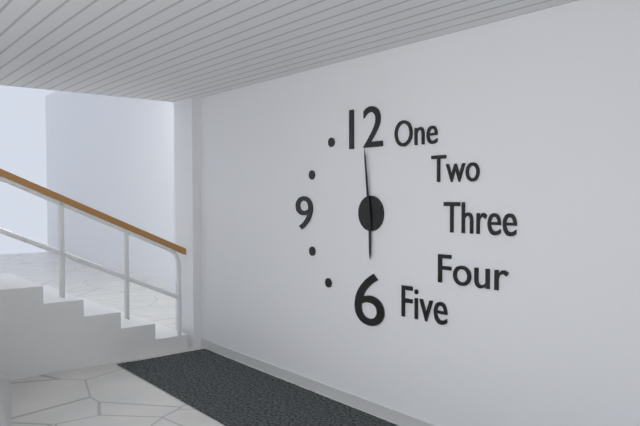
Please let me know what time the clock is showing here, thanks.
5:59
